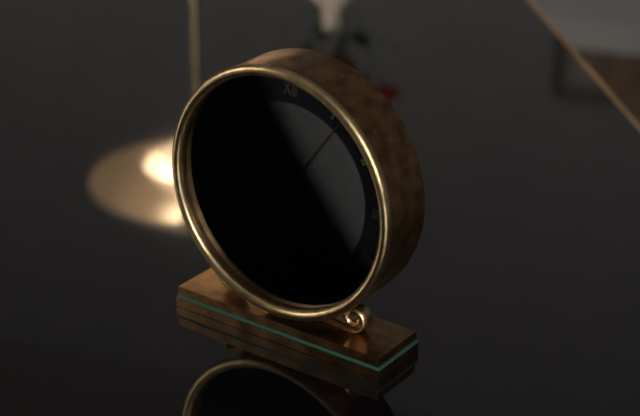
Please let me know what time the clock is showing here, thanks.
5:06
